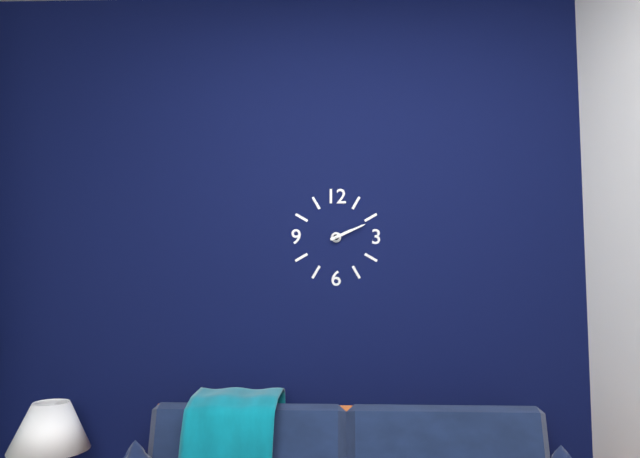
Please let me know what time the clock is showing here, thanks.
2:11
